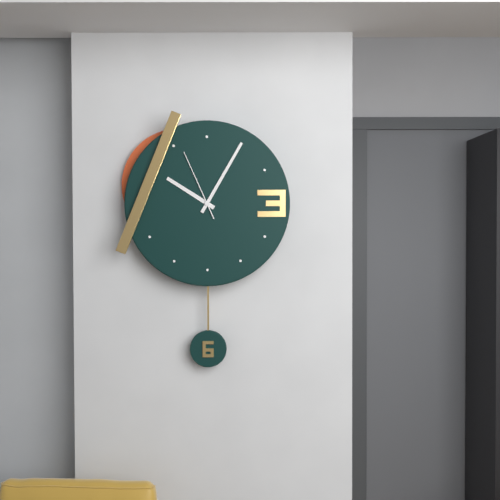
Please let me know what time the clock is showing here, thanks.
10:05:56
